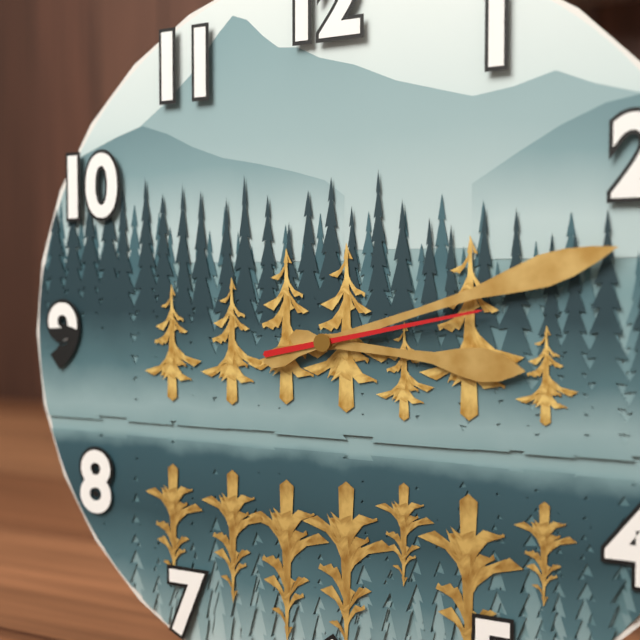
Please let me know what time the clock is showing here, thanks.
3:12:13
